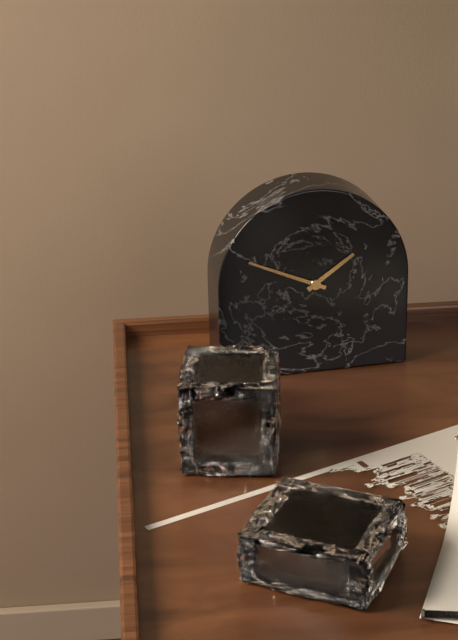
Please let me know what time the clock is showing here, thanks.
1:49
